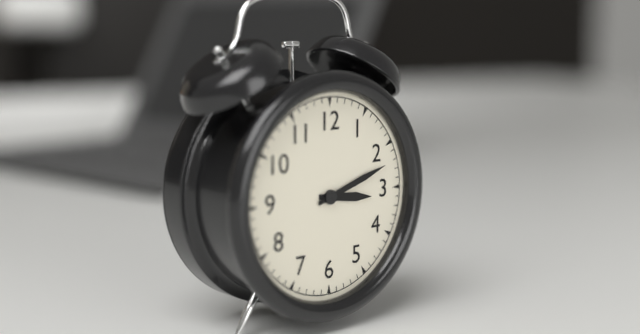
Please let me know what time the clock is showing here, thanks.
3:12
